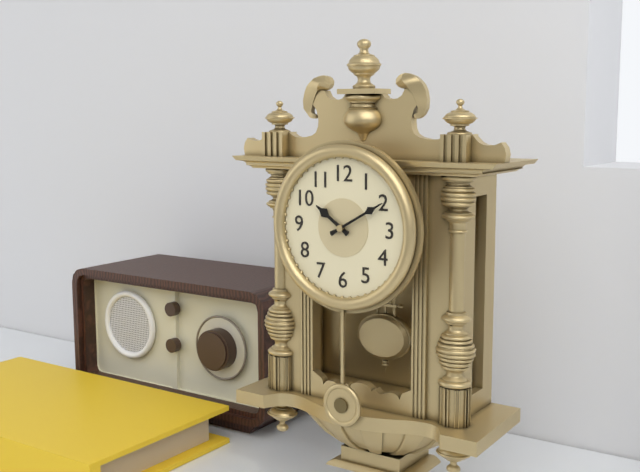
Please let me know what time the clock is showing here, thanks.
10:10
